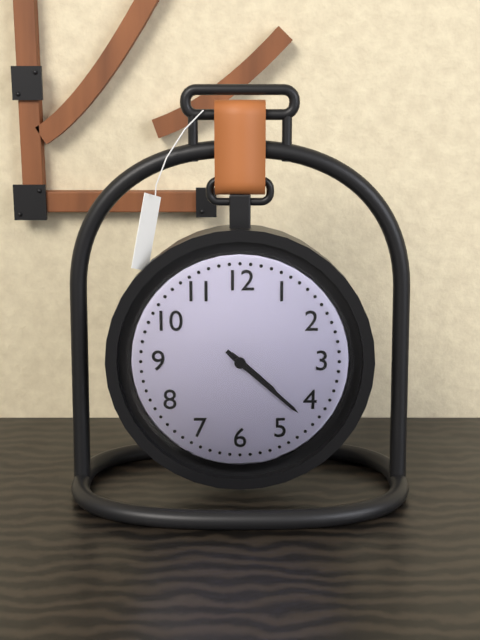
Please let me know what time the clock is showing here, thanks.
4:22
